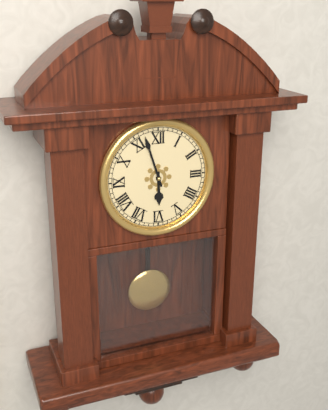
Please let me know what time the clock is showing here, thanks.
5:57
